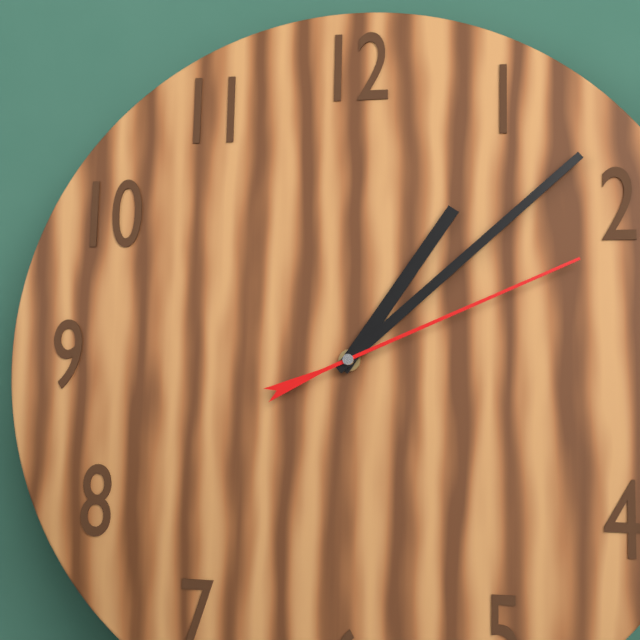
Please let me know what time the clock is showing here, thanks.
1:08:11
